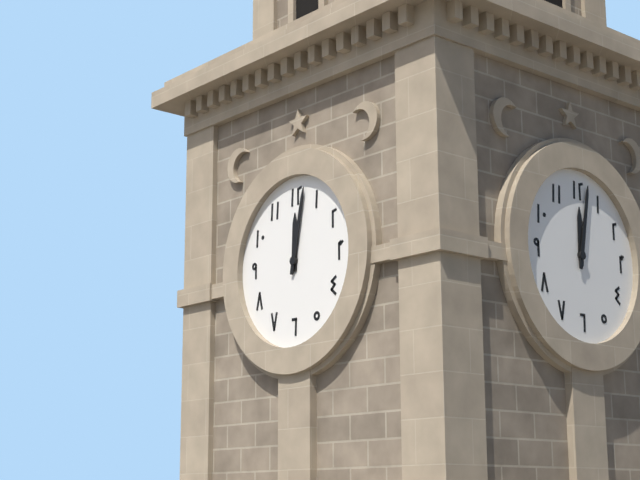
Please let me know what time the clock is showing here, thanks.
12:02
